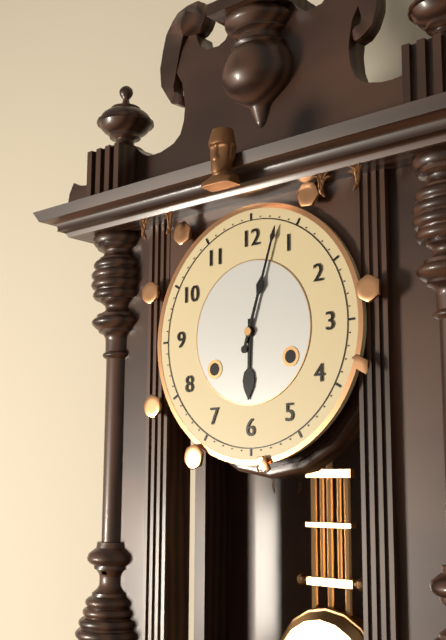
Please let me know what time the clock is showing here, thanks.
6:03
